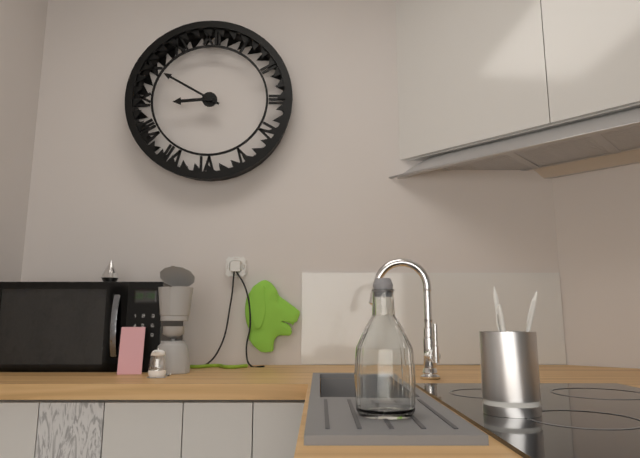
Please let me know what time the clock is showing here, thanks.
8:50
